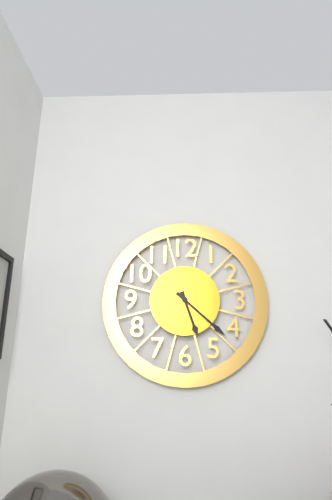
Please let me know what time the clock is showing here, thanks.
5:22
